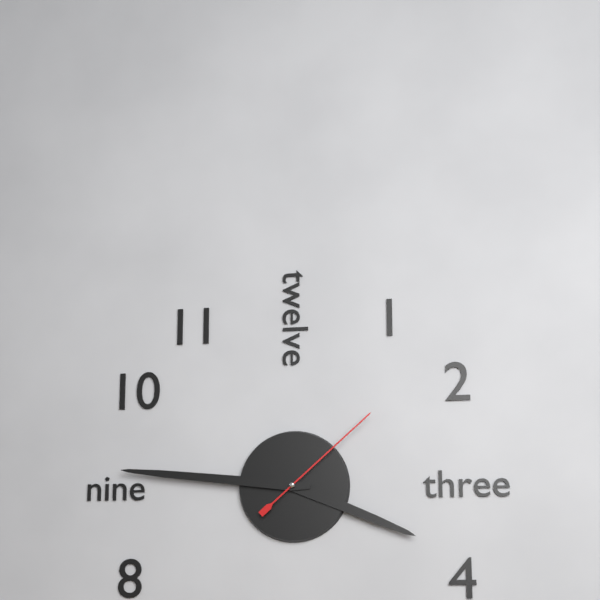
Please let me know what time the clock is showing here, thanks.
3:46:08
